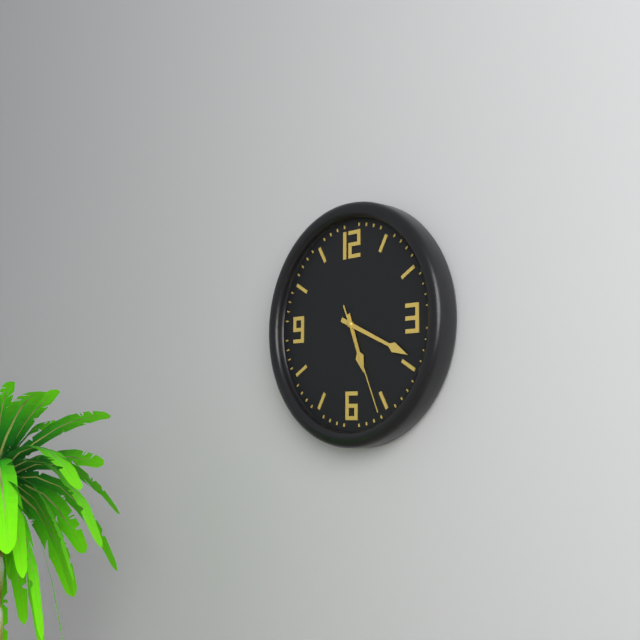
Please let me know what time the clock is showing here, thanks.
5:19:26
